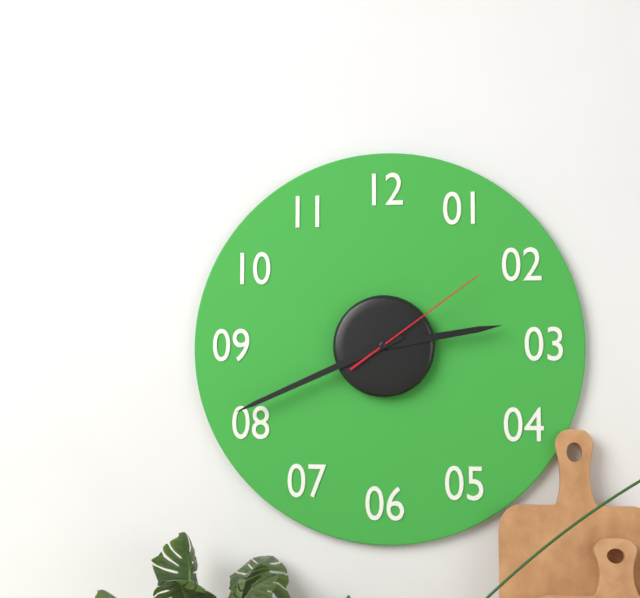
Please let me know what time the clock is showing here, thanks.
2:41:09
